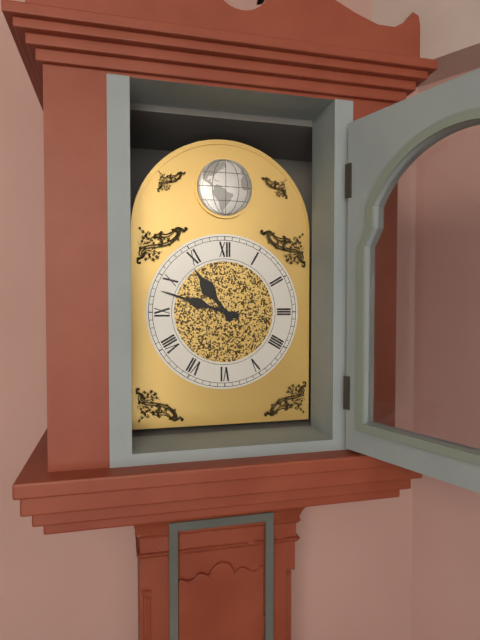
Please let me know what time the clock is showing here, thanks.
10:48
